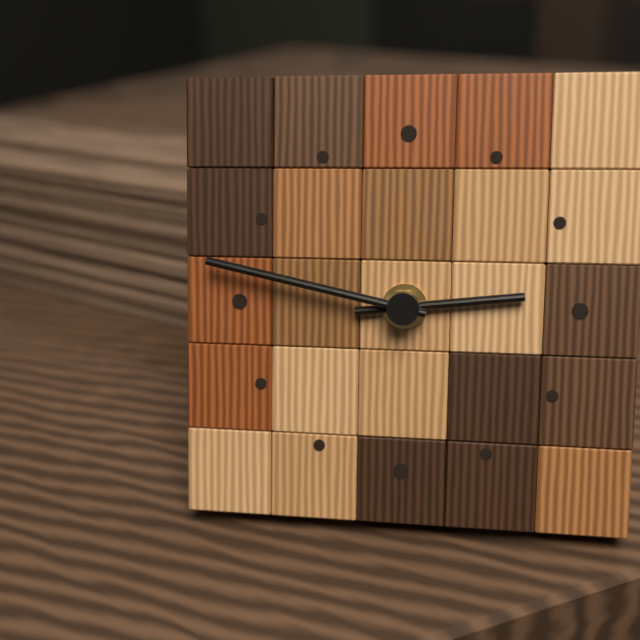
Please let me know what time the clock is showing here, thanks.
2:47
